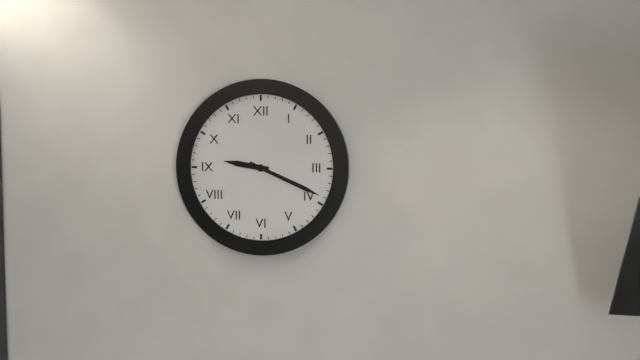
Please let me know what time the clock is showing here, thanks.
9:19
